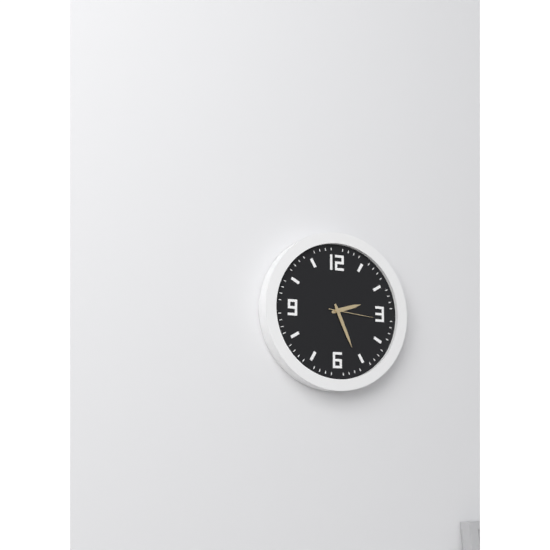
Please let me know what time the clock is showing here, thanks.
2:26
